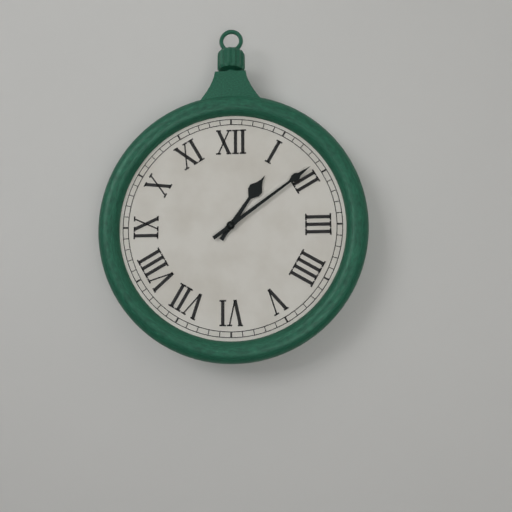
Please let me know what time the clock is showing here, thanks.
1:09
